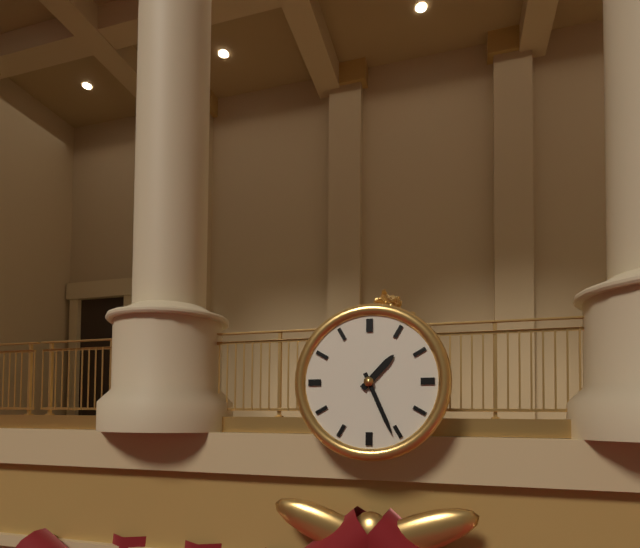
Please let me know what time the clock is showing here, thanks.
1:26
